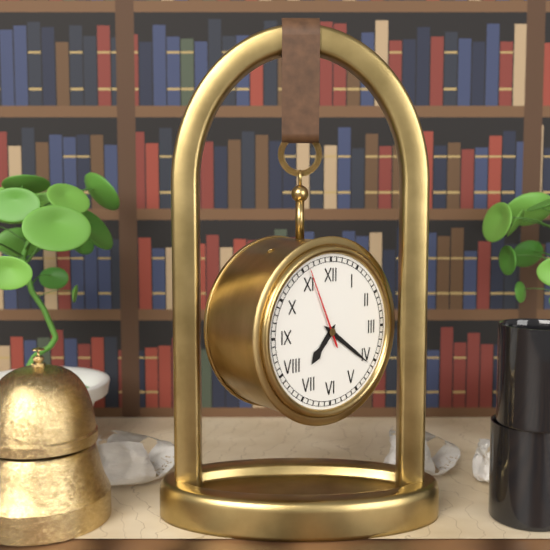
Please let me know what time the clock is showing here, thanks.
7:21:56
